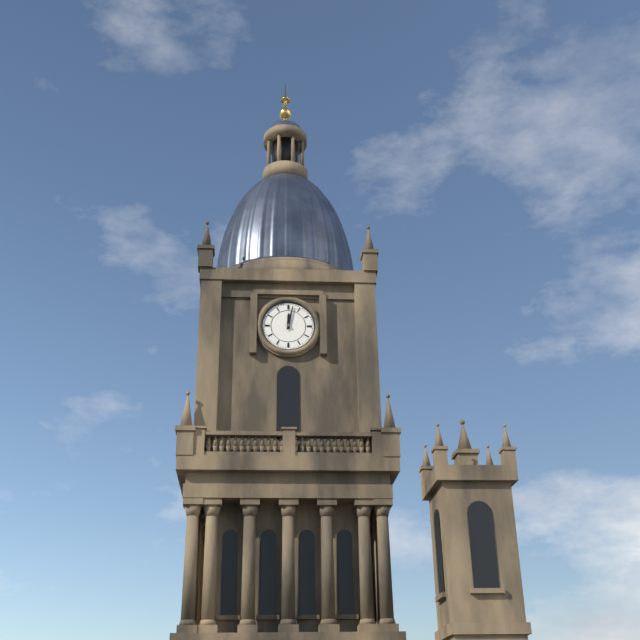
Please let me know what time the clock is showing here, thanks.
12:02
